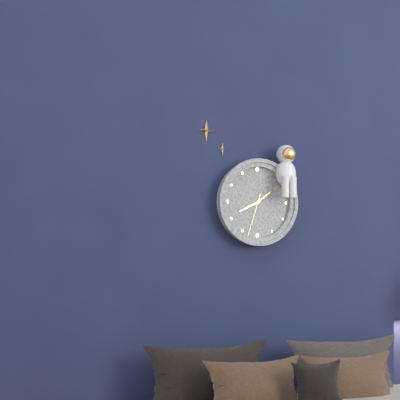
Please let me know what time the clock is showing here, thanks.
8:09
